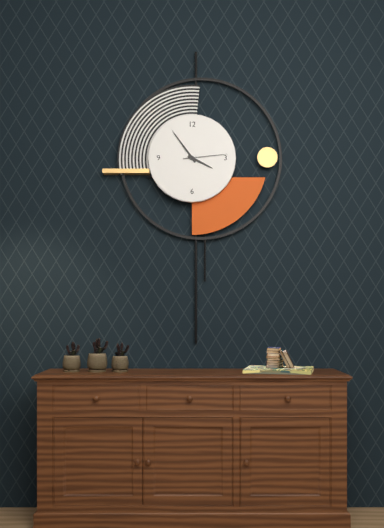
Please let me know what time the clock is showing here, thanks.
3:54
